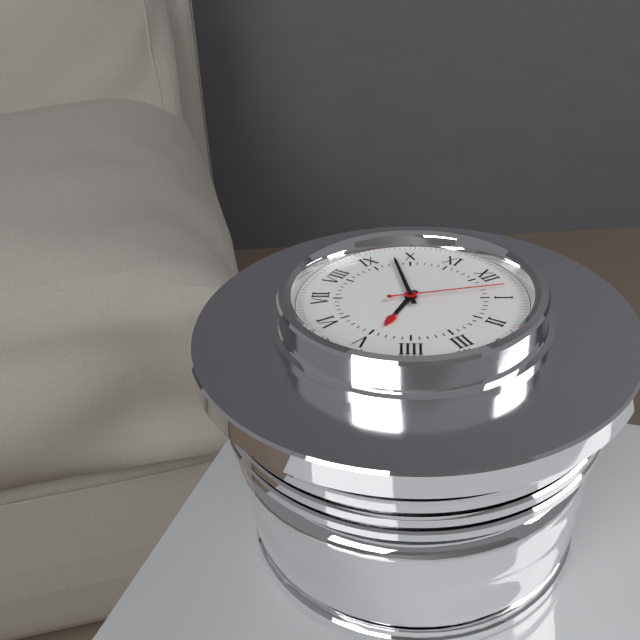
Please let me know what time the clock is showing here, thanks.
4:48:03
